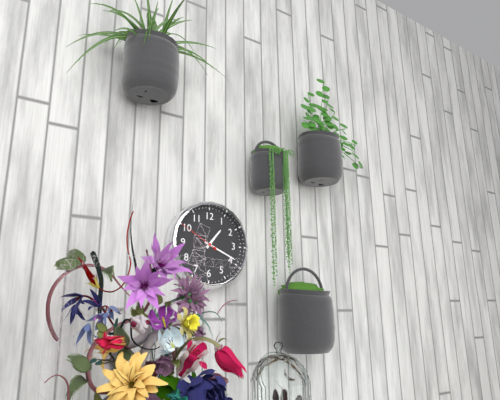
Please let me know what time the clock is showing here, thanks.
1:19
